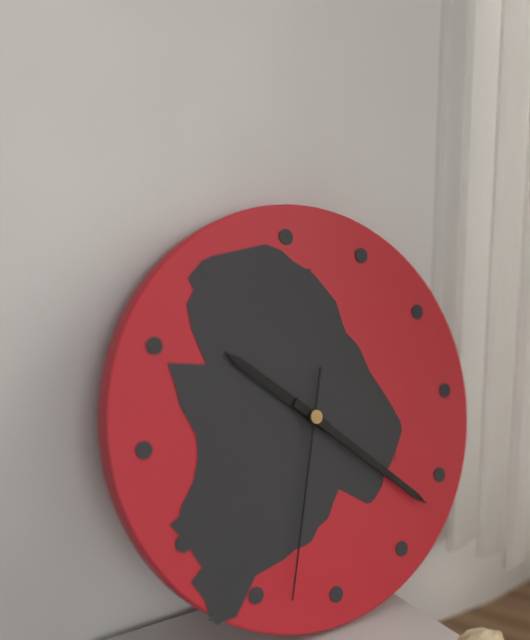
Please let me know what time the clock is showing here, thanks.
10:22:33
